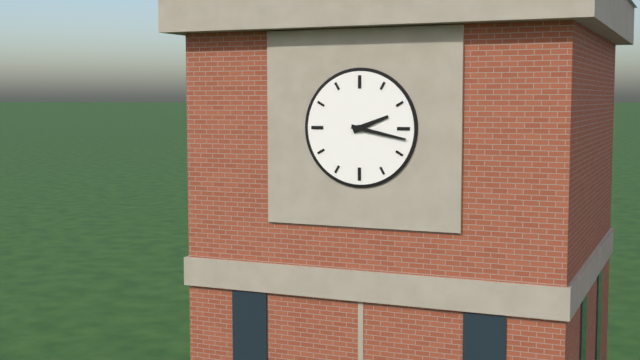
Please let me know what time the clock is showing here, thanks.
2:17
